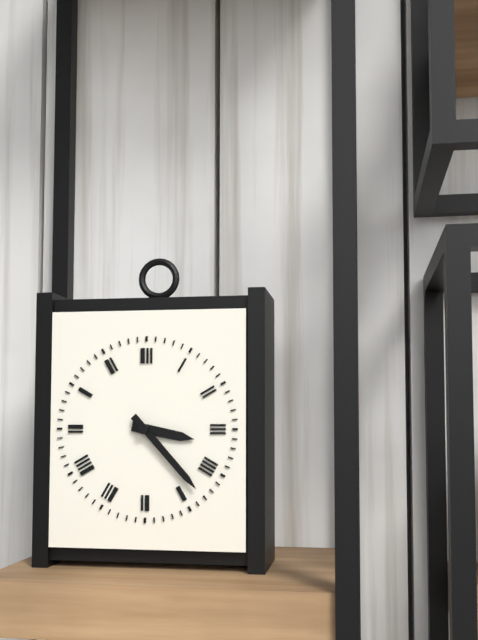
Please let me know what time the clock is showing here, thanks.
3:23
